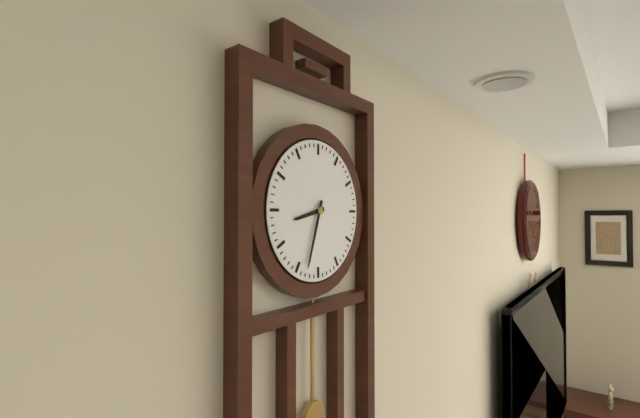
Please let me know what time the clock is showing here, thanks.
8:33
